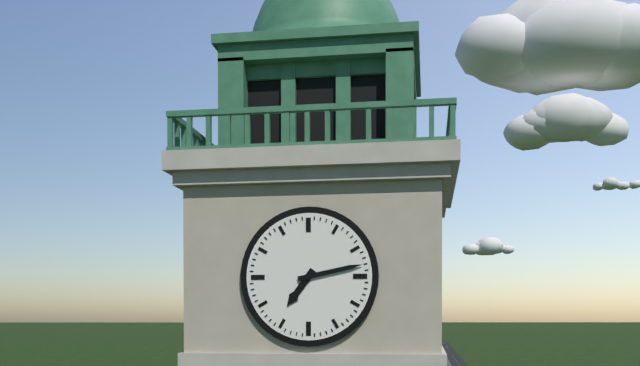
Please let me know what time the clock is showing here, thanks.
7:13
